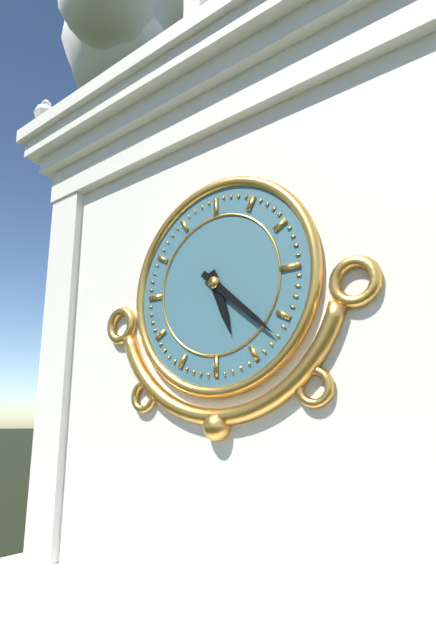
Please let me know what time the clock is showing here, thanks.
5:22
